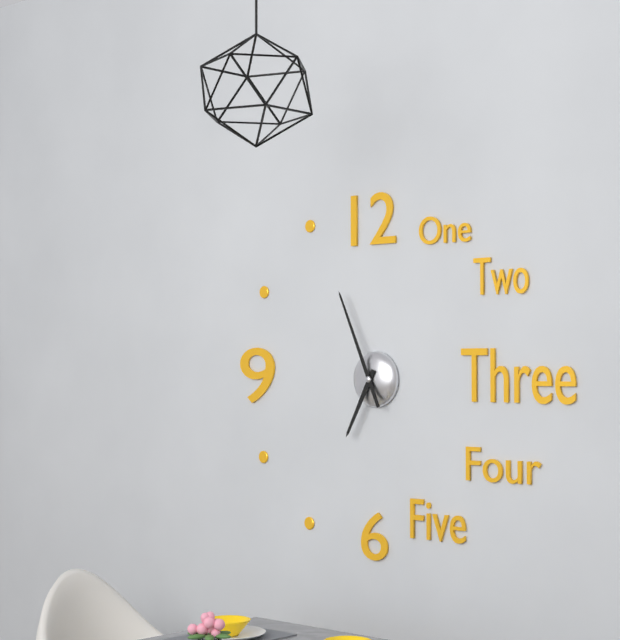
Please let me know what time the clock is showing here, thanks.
6:56
